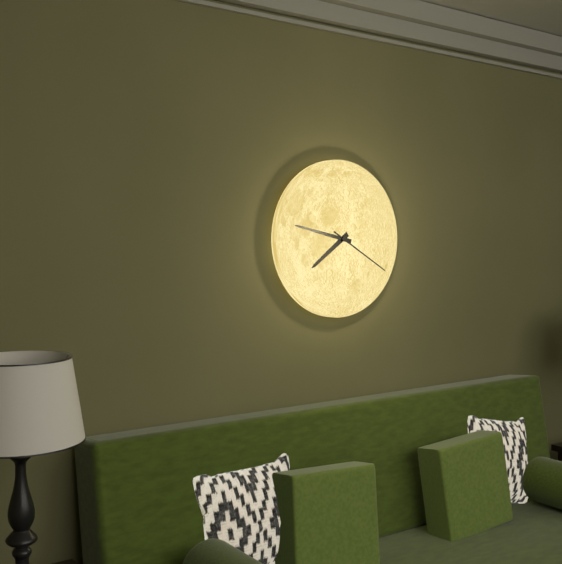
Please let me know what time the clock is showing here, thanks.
7:47:20
